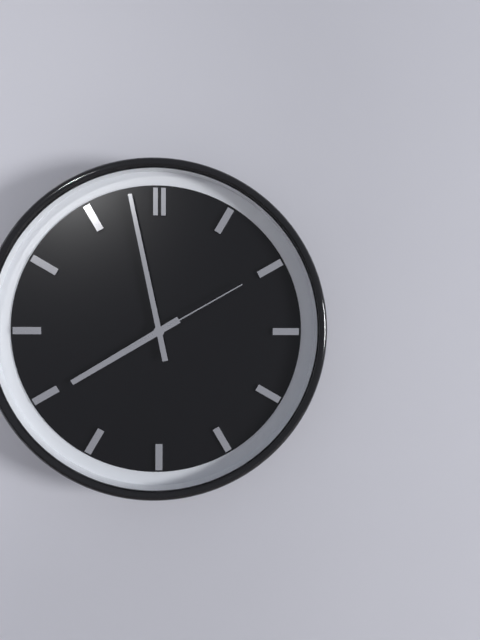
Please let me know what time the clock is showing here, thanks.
7:58:10
